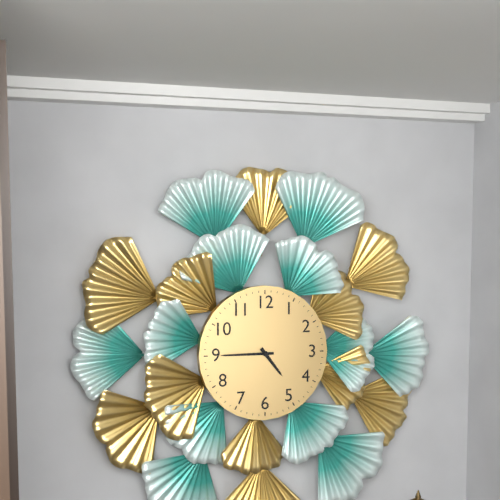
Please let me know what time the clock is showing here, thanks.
4:45
